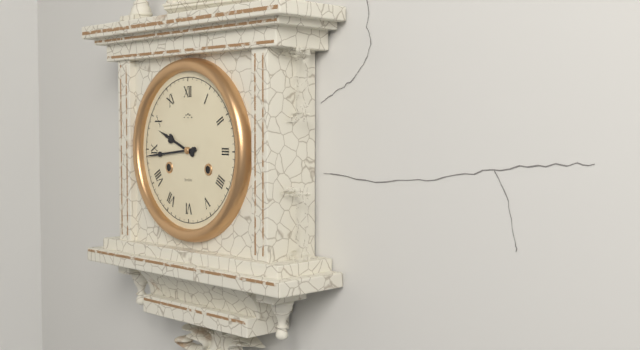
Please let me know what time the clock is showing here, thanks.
9:44
